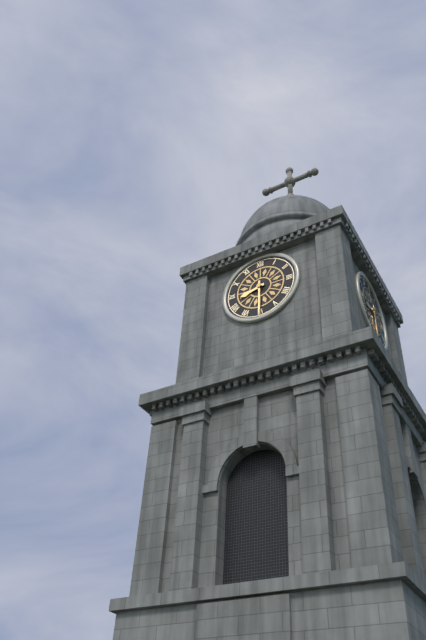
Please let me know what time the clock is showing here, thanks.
8:30
